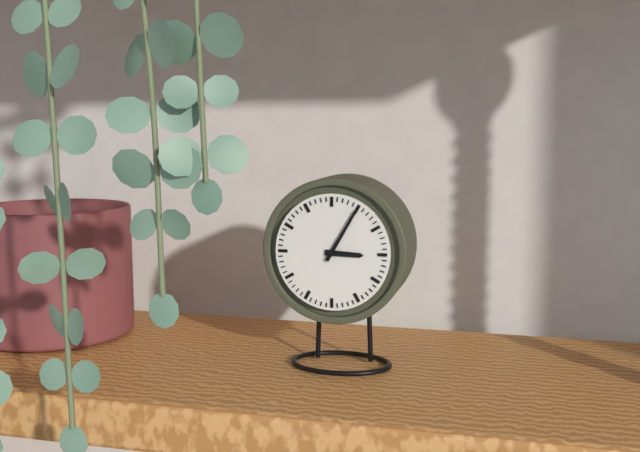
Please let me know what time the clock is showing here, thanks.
3:05
